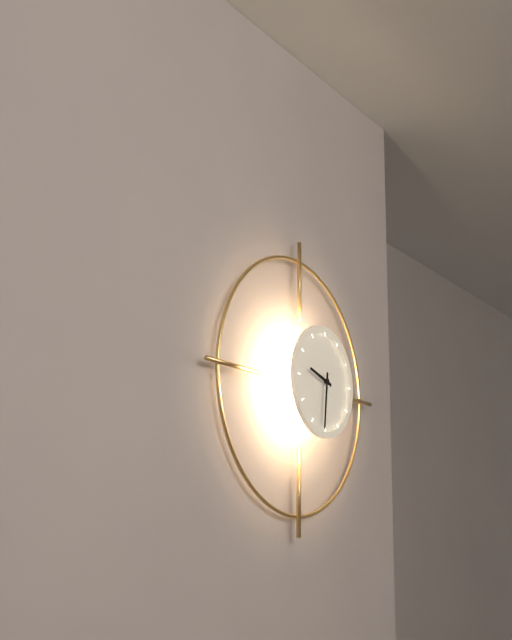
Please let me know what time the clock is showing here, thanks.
9:31
